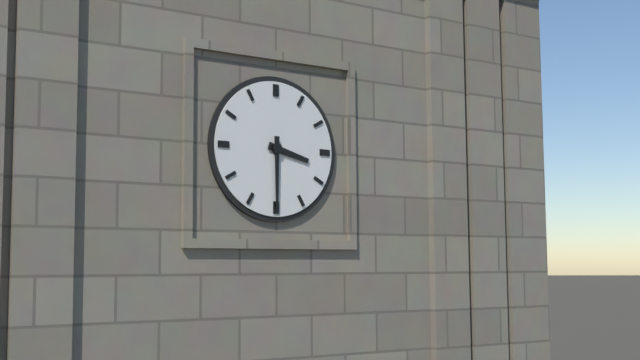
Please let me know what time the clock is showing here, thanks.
3:30
